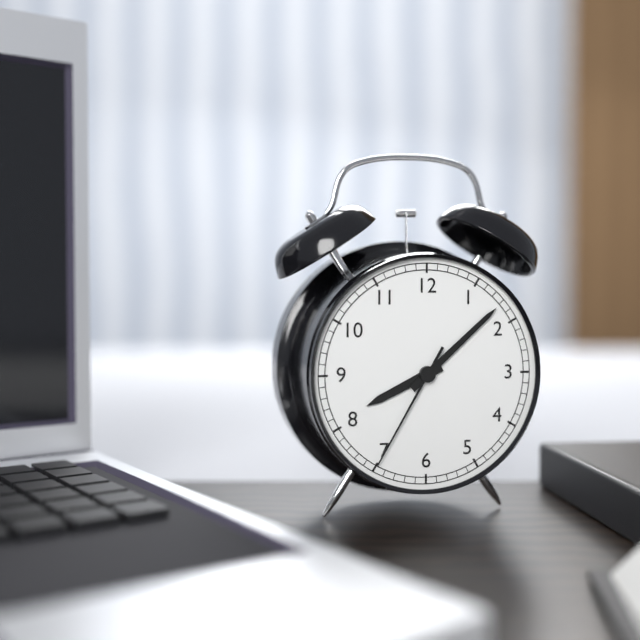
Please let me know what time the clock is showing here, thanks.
8:08:35
